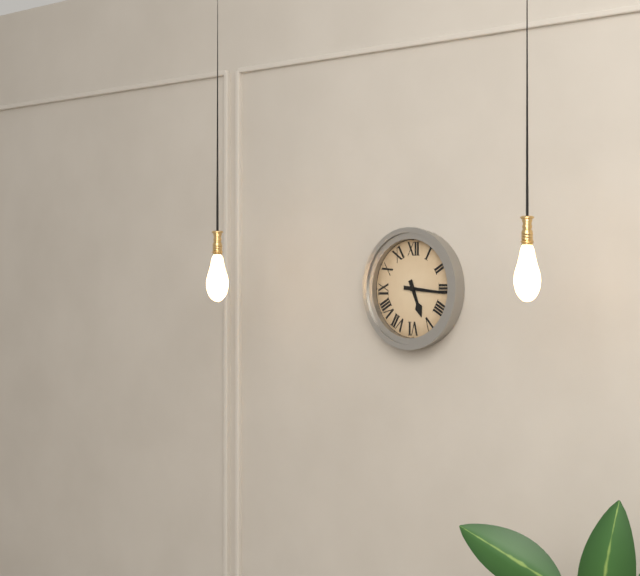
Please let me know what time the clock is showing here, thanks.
5:16
